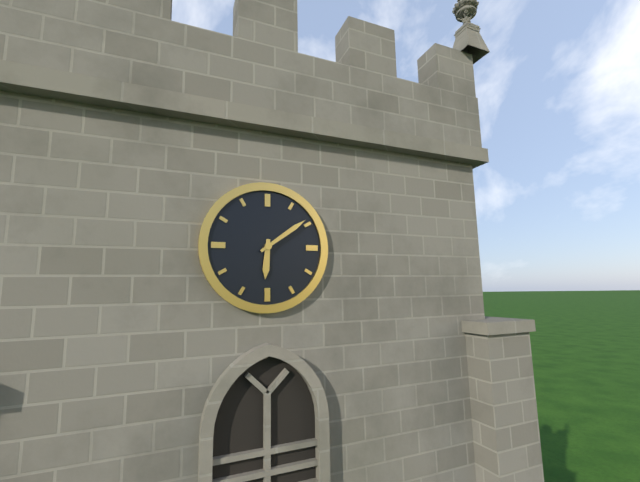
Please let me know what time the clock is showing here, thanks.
6:09
